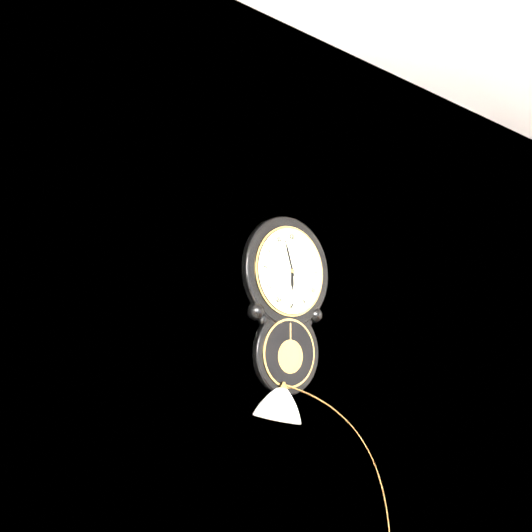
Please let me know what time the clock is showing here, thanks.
5:57
